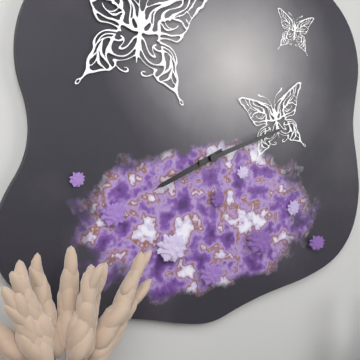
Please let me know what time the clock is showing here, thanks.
8:12
